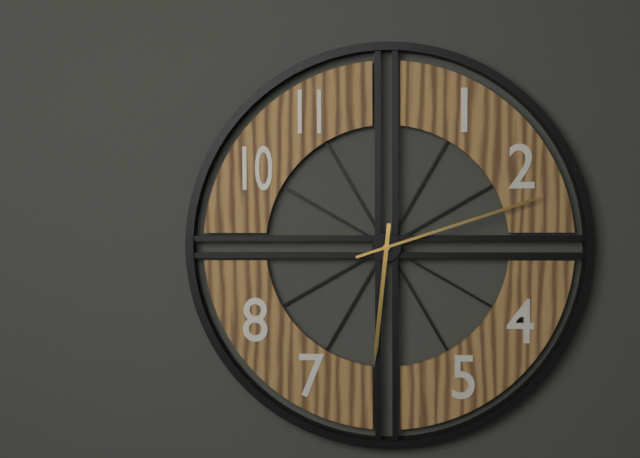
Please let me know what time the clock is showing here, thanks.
6:12
